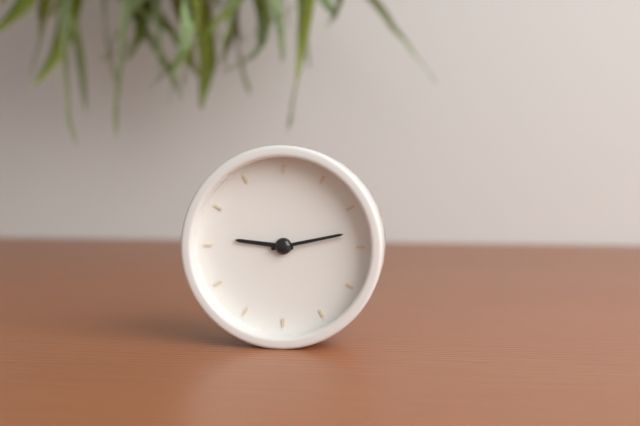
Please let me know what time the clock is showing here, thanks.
9:13
